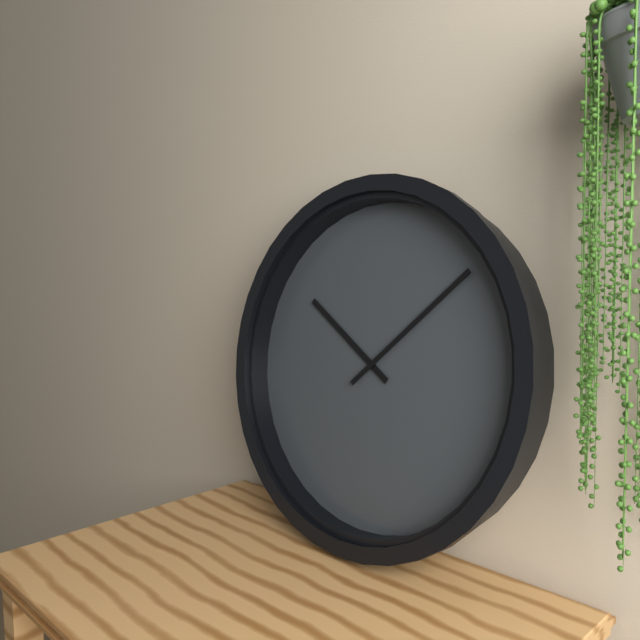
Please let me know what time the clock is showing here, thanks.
10:08
